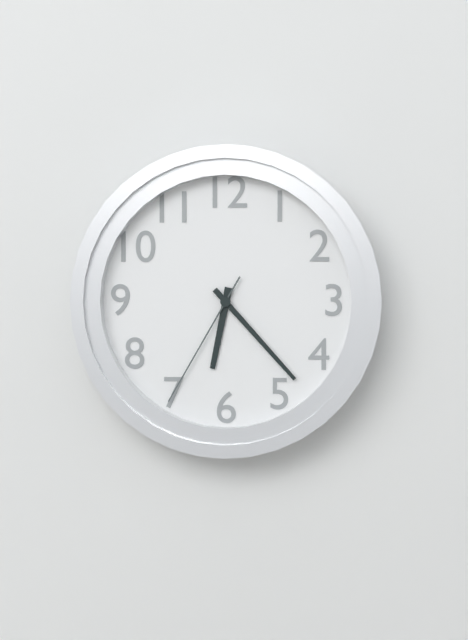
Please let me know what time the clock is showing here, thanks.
6:23:35
